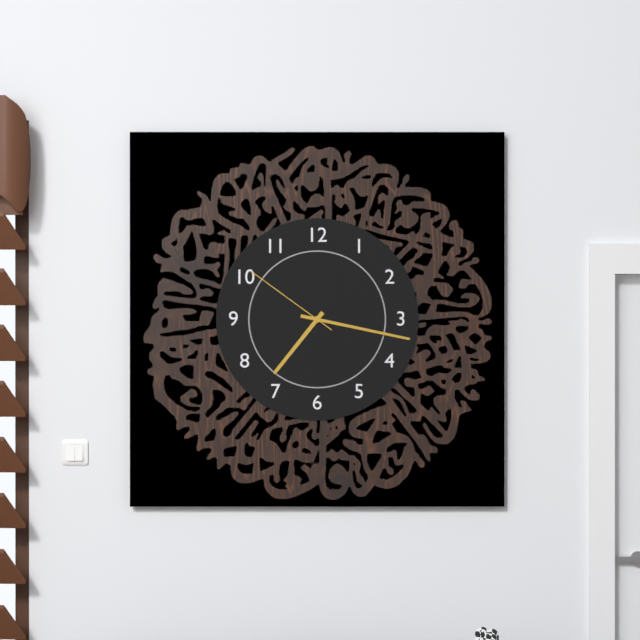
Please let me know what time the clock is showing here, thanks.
7:17:51
